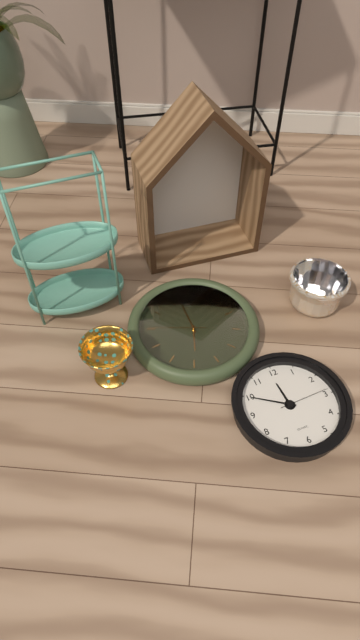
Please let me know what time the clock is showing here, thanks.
11:50:14
